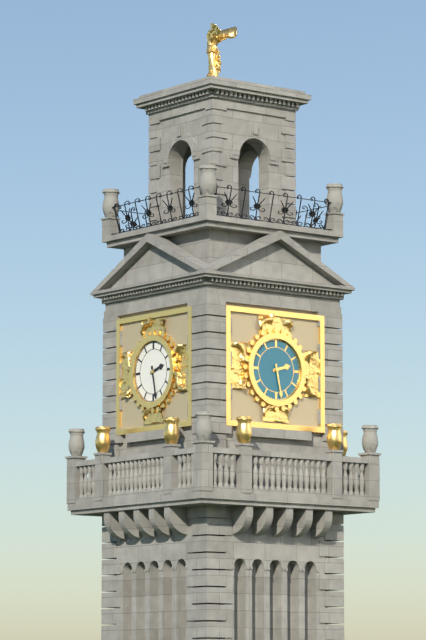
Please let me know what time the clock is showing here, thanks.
2:28
